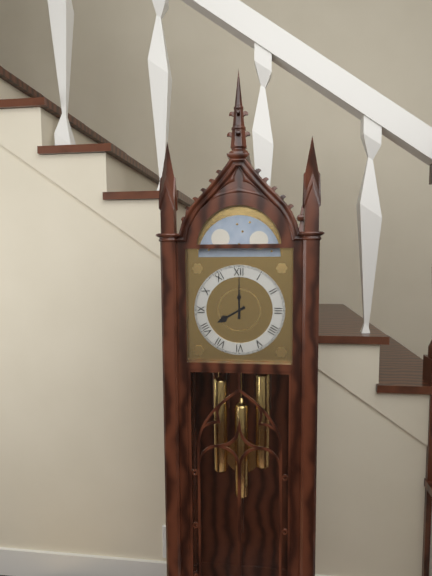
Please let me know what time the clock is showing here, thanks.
8:00
